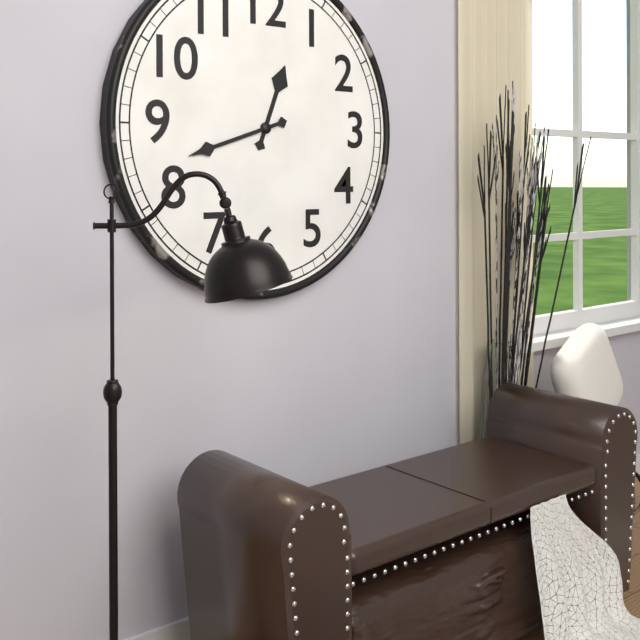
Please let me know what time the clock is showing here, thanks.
12:42
